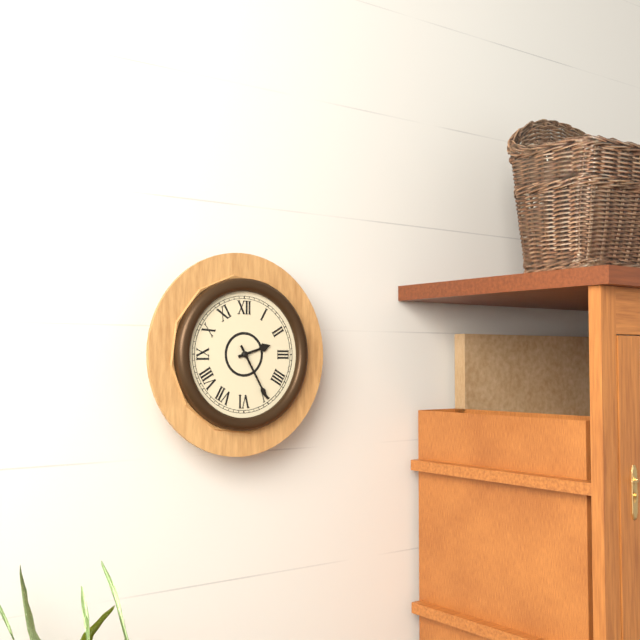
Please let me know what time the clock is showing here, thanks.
2:25
